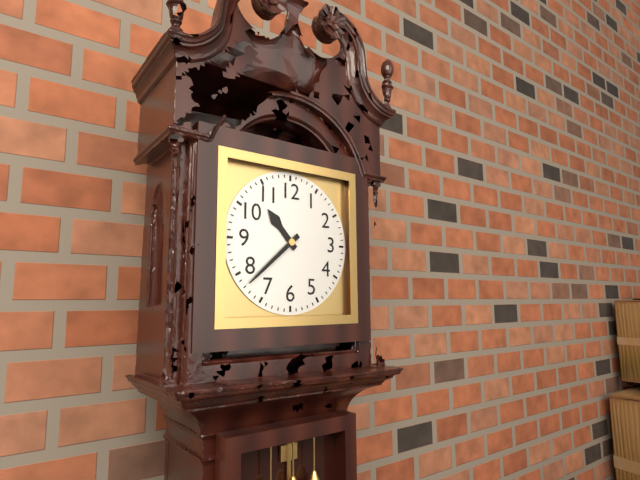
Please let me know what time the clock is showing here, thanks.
10:38
